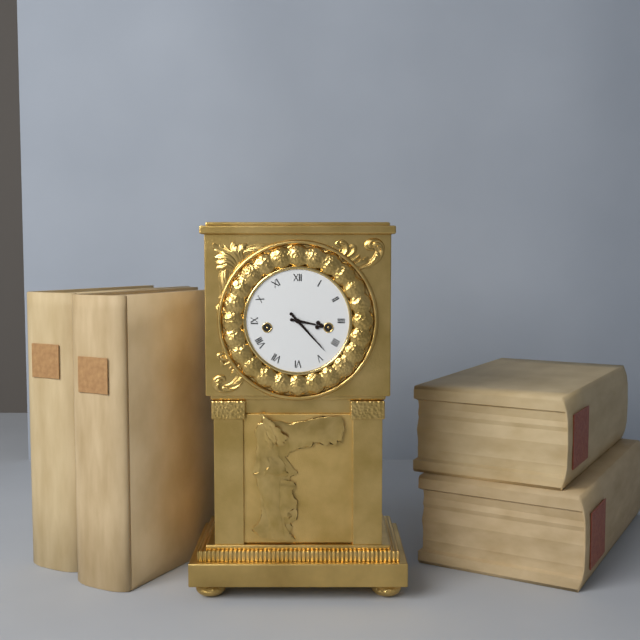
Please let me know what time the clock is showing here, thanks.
3:23
